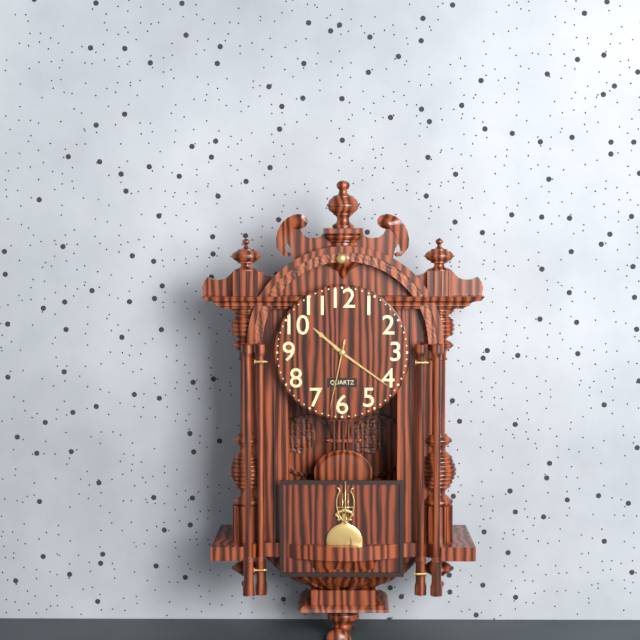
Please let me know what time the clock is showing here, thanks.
10:21:32
